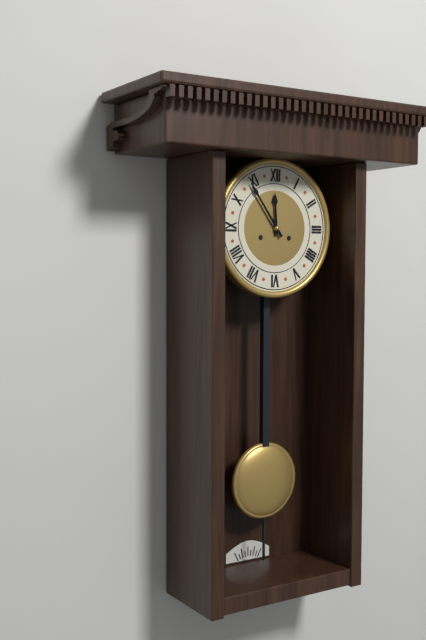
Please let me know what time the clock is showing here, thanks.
11:54
